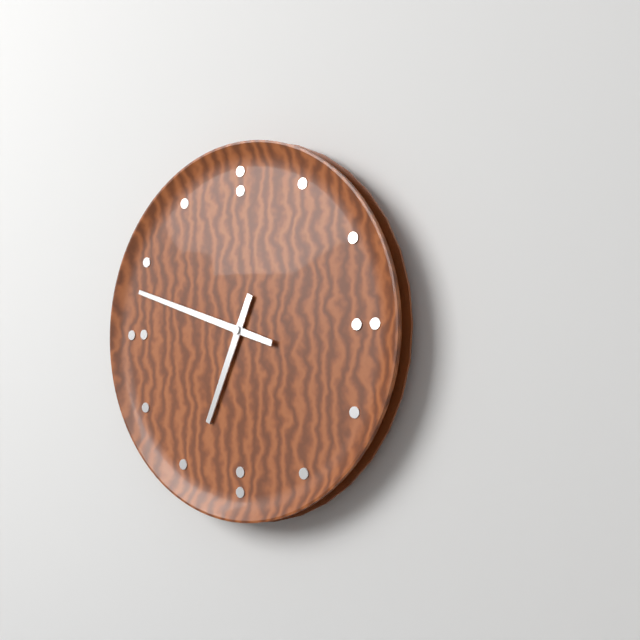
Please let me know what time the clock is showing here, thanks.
6:48
